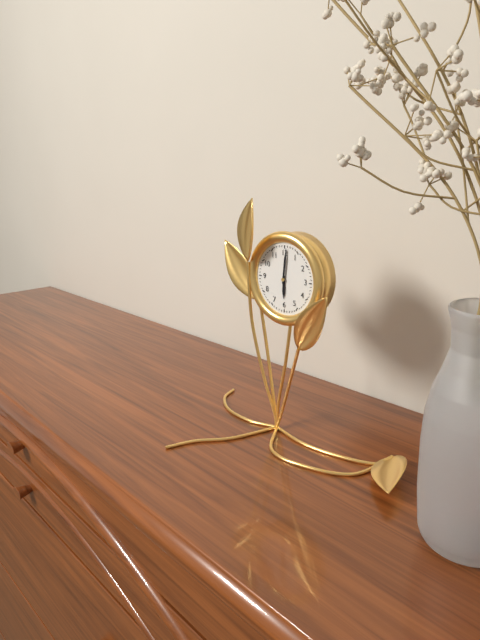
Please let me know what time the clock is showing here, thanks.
6:01
